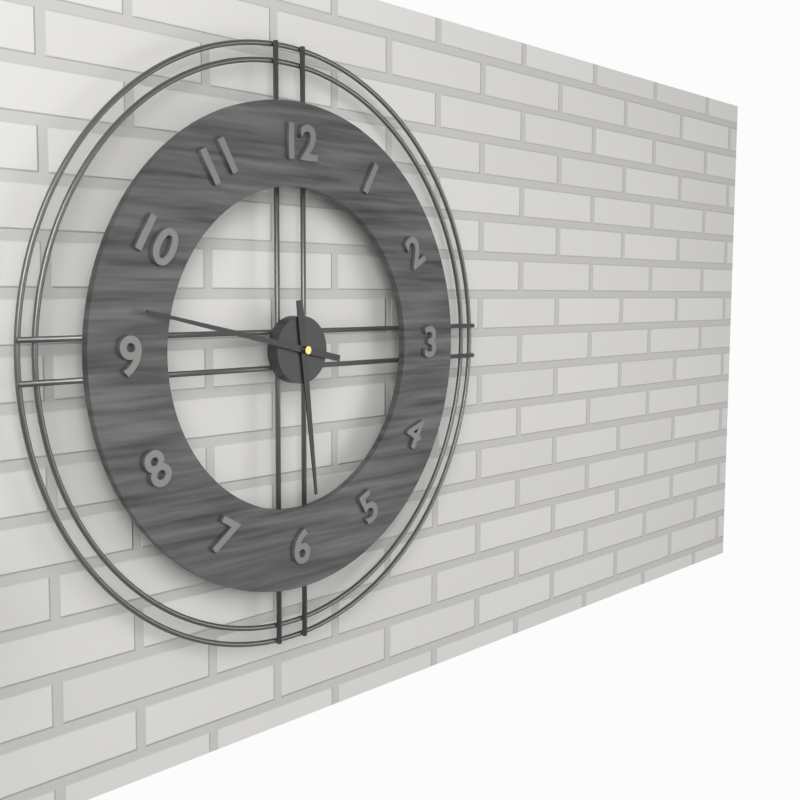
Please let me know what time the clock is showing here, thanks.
5:47
